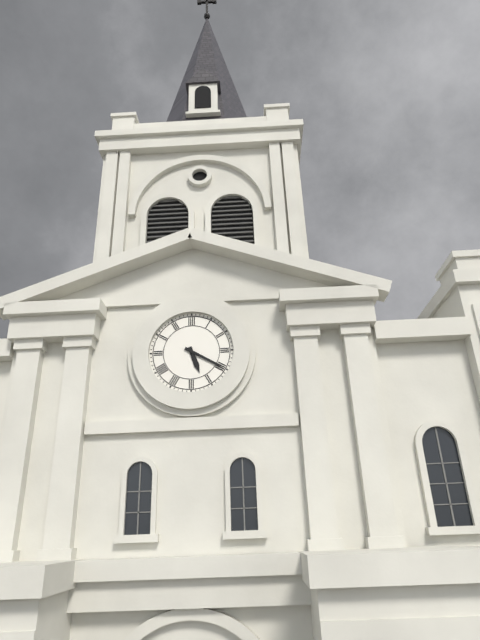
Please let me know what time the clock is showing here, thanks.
5:20
